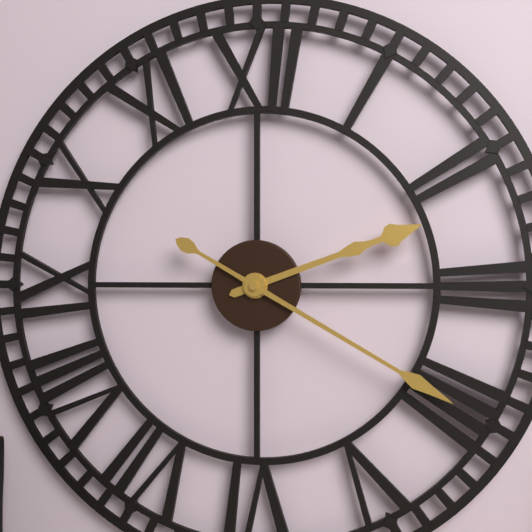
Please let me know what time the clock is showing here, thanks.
2:20
